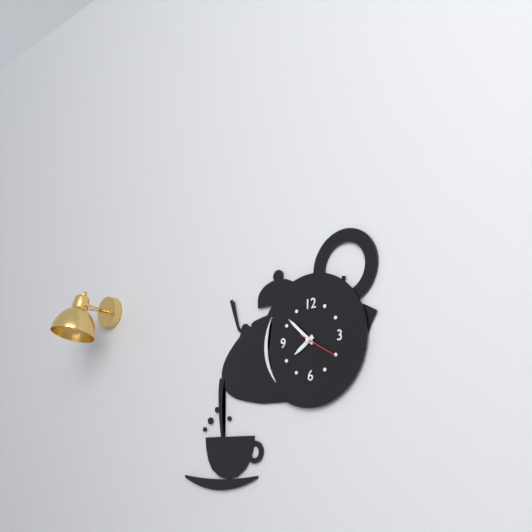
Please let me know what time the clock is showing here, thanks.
7:52
